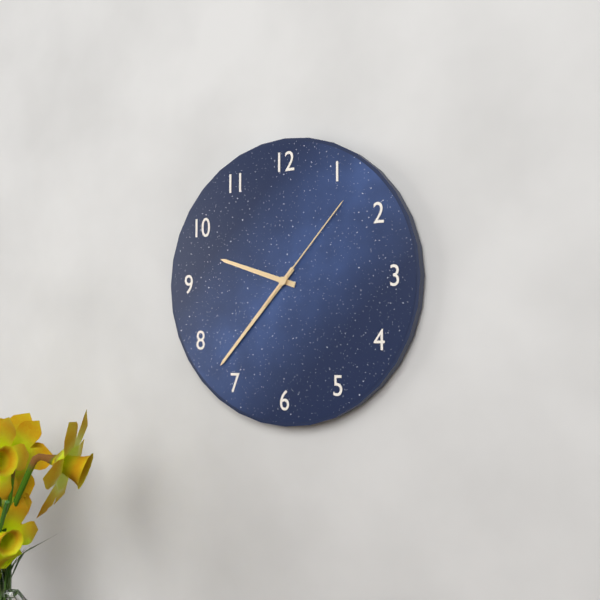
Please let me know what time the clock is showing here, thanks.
9:37:07
